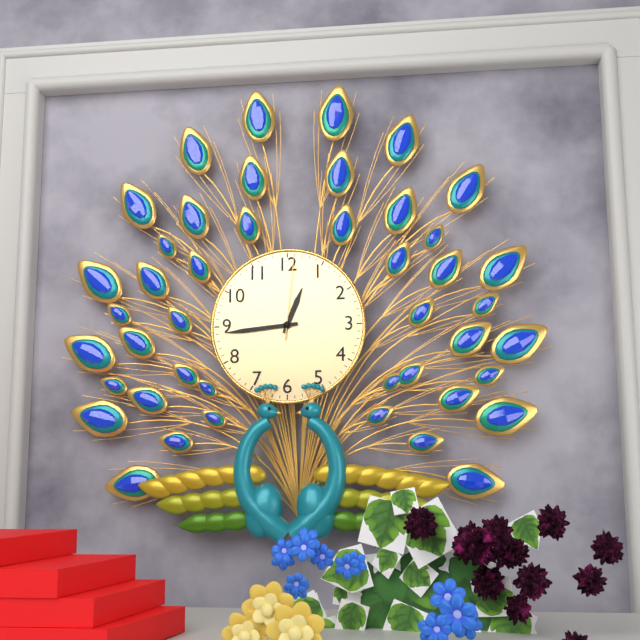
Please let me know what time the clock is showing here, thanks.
12:44:01
